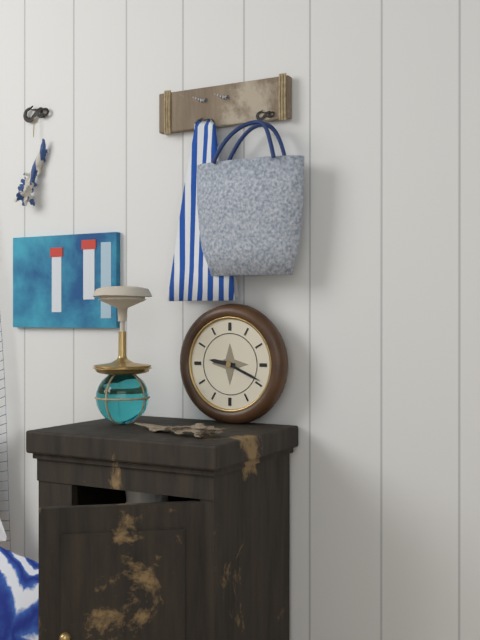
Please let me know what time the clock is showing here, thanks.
9:19
